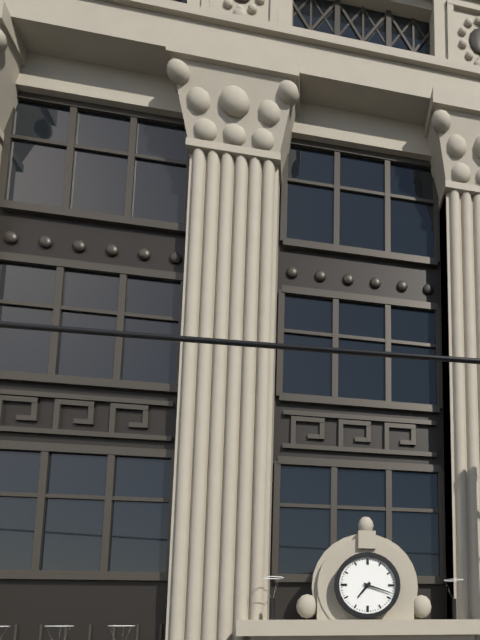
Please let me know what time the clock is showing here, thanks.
7:18
